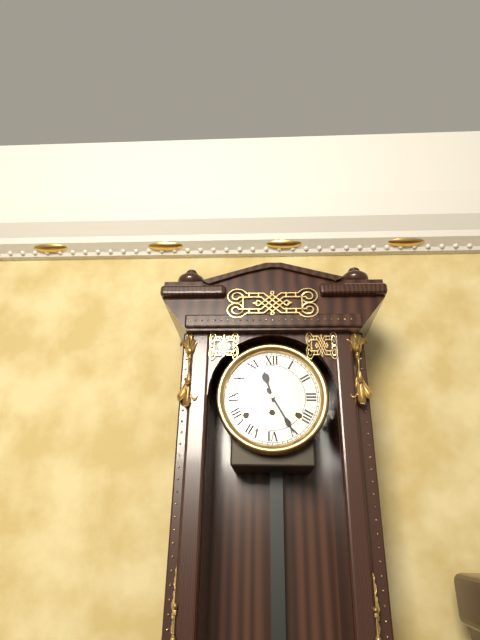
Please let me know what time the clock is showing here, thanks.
11:25
